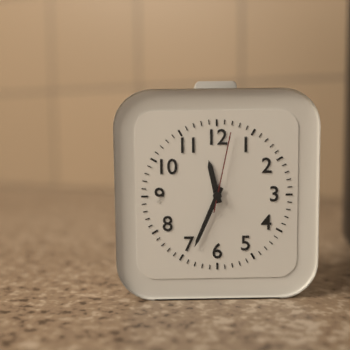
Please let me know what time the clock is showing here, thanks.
11:34:02
